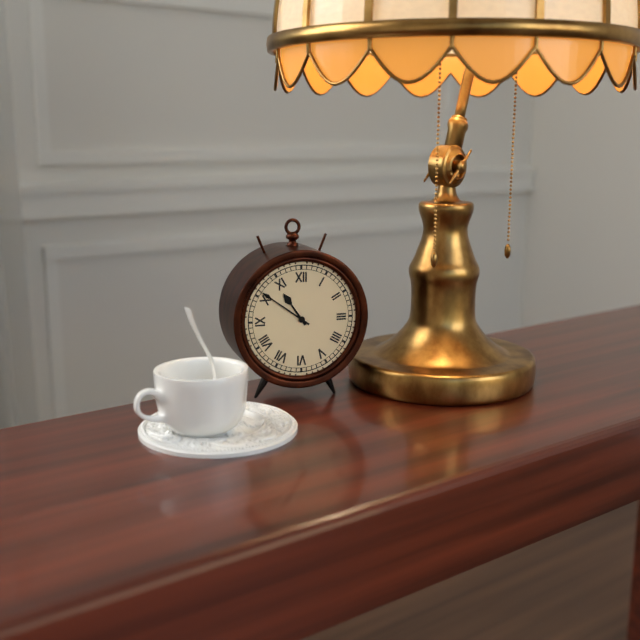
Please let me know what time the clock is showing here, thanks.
10:51
